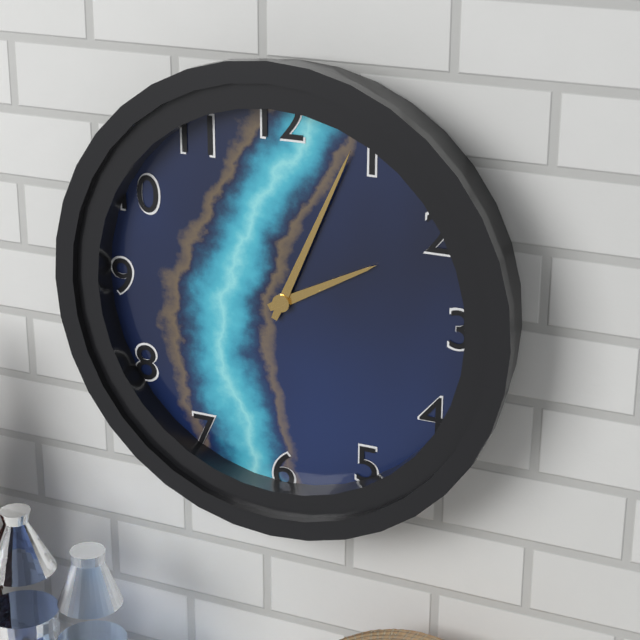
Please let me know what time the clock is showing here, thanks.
2:04
